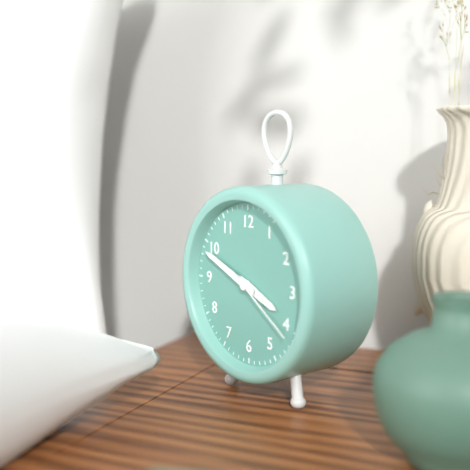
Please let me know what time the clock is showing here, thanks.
3:49:21
